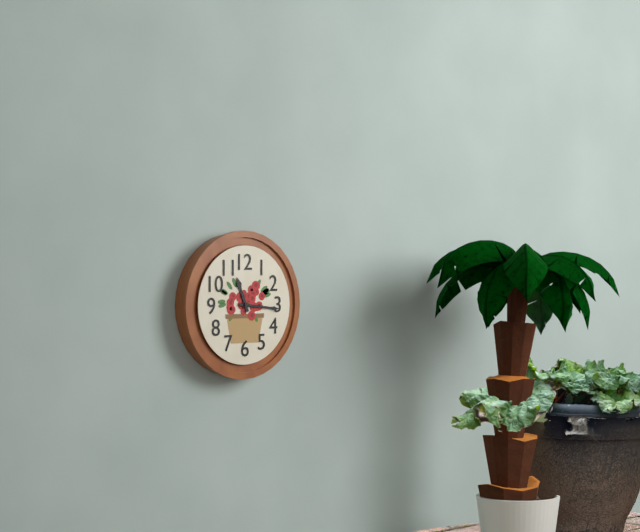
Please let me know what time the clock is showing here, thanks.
11:16
